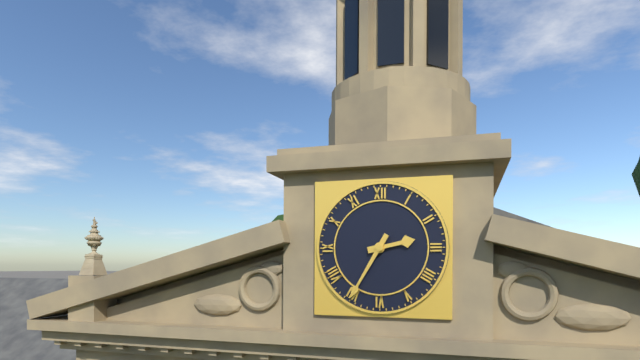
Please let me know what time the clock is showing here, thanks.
2:35
